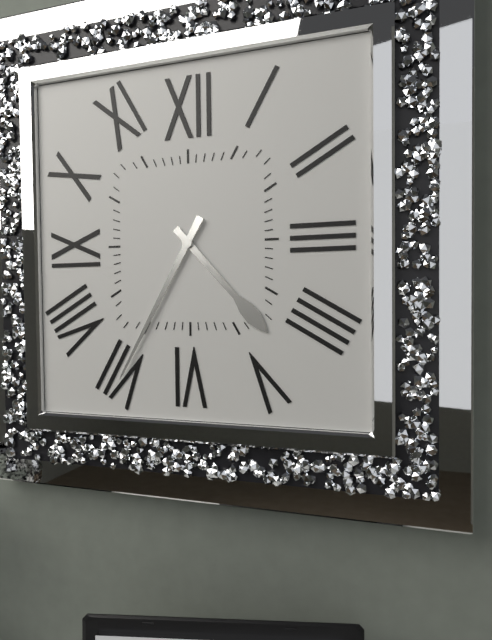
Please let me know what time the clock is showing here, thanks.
4:35
